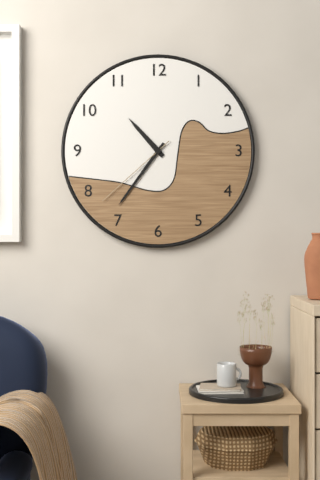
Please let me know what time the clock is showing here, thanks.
10:36:38
